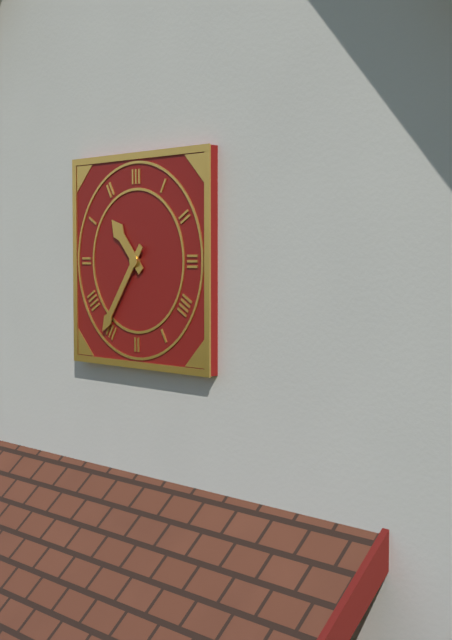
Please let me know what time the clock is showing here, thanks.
10:36
